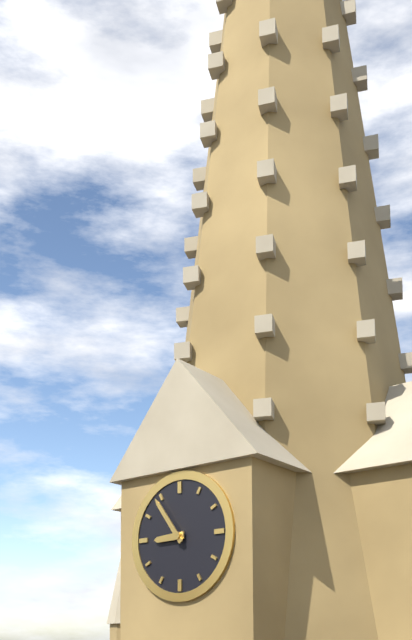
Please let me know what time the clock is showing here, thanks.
8:54
